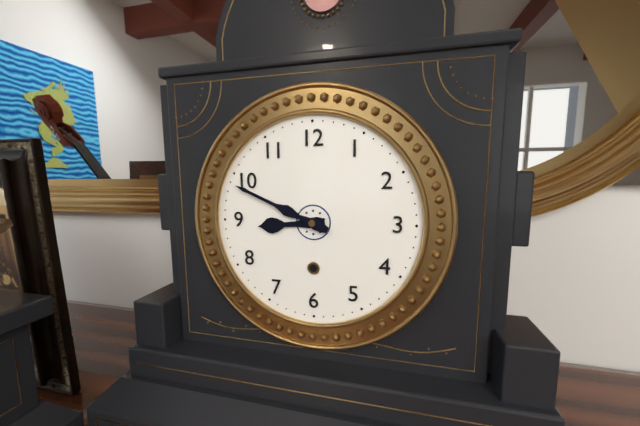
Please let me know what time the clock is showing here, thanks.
8:49
